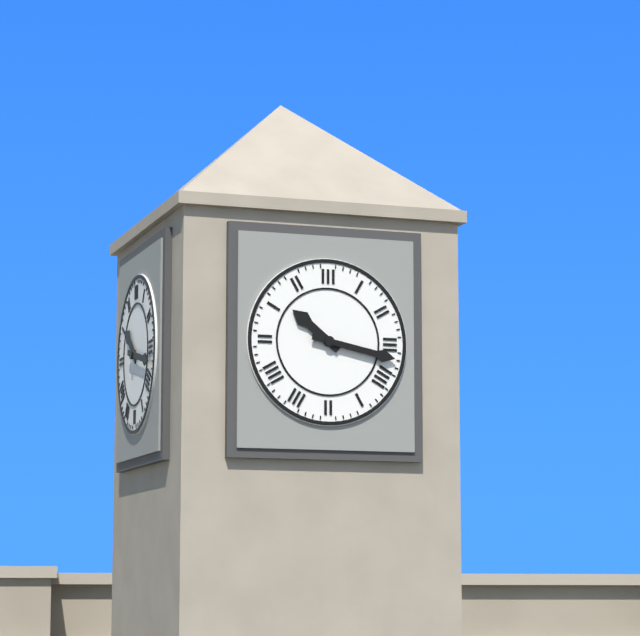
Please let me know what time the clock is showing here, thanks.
10:17
